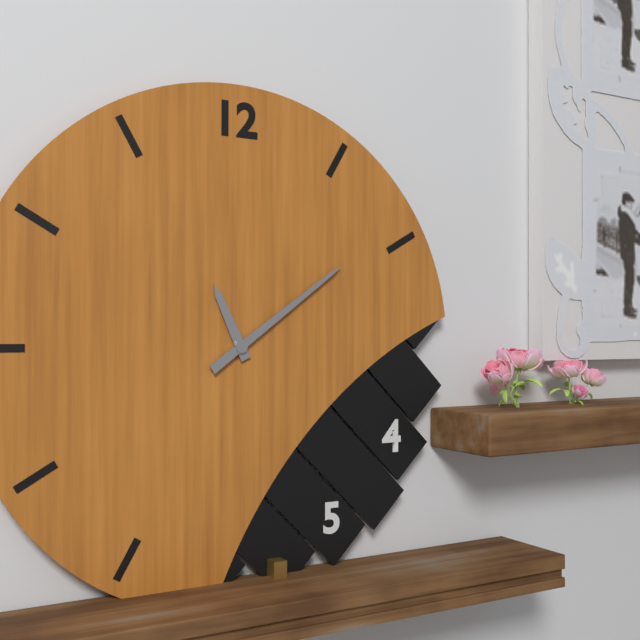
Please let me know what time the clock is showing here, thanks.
11:09
